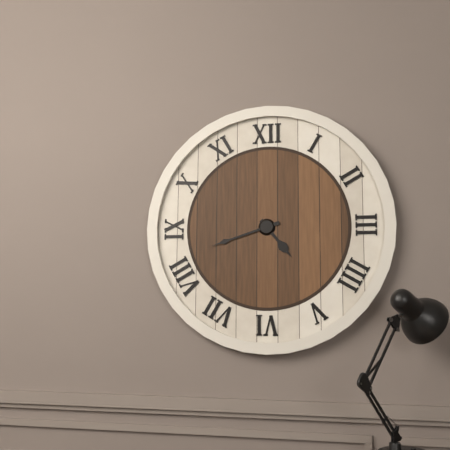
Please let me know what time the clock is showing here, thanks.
4:42
